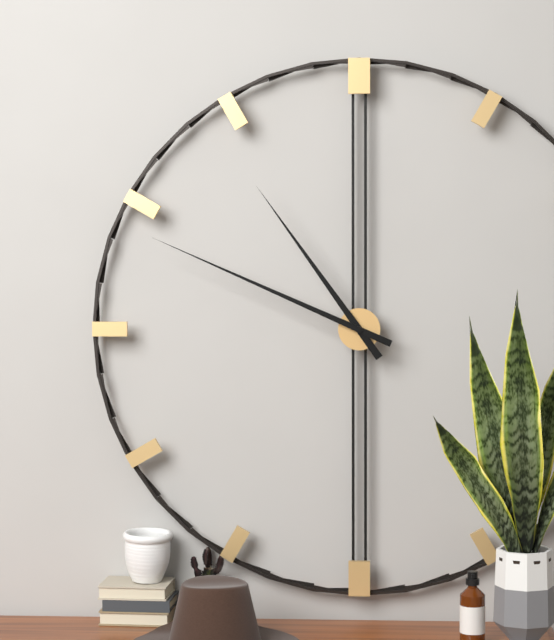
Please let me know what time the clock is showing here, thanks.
10:49
